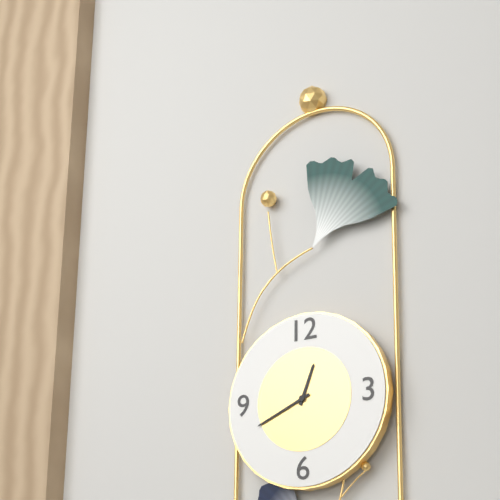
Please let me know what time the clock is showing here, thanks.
12:41
